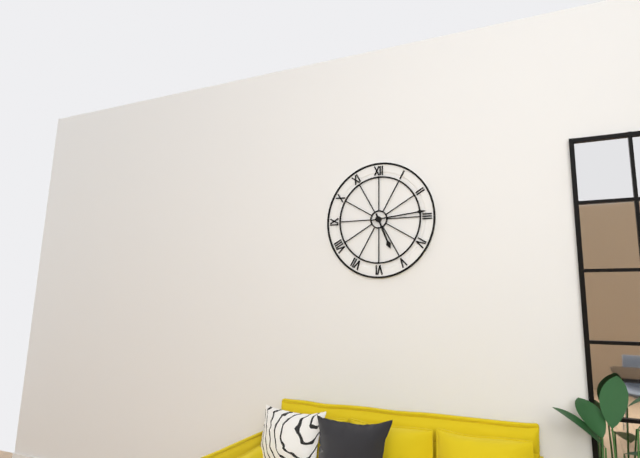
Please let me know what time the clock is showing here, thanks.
5:14
